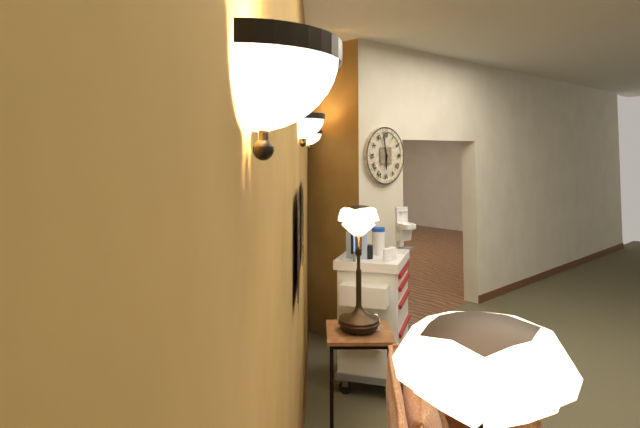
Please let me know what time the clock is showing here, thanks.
5:58
